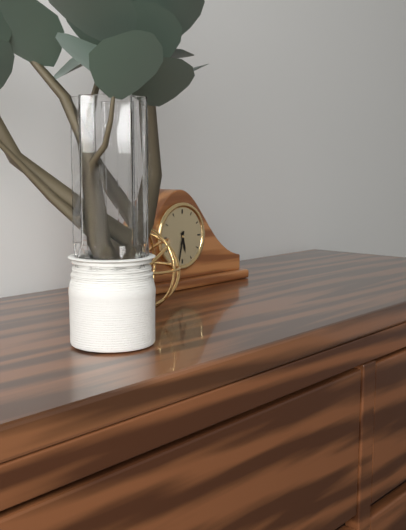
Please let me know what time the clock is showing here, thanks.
5:32
